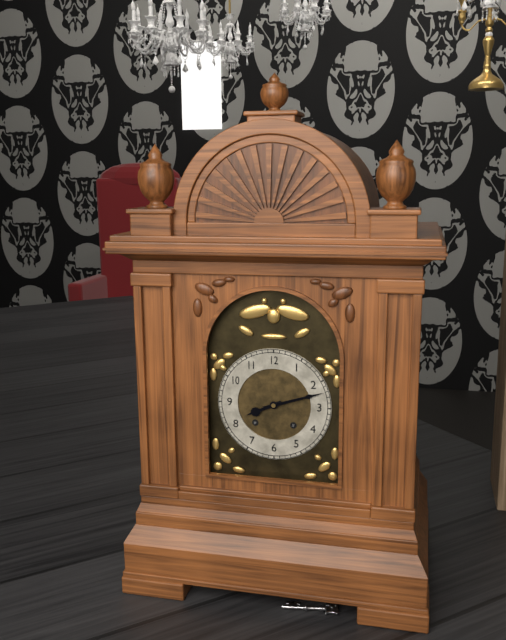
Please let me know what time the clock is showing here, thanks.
8:12
